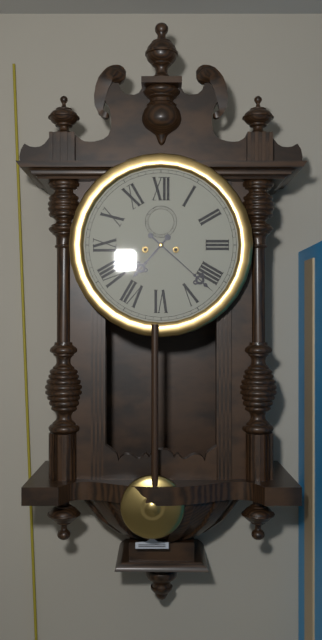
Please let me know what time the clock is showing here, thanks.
7:22
